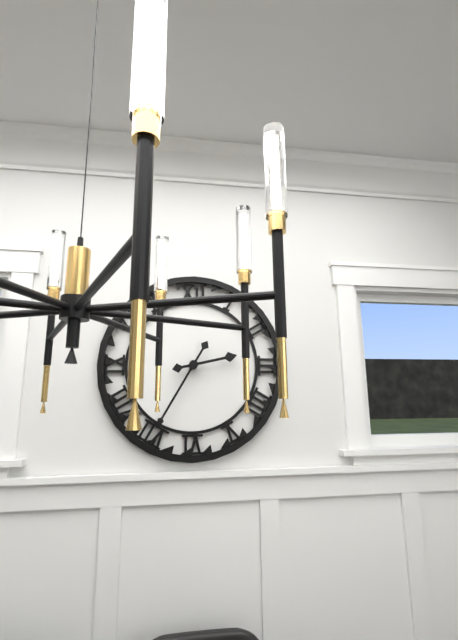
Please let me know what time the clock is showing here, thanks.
2:35
